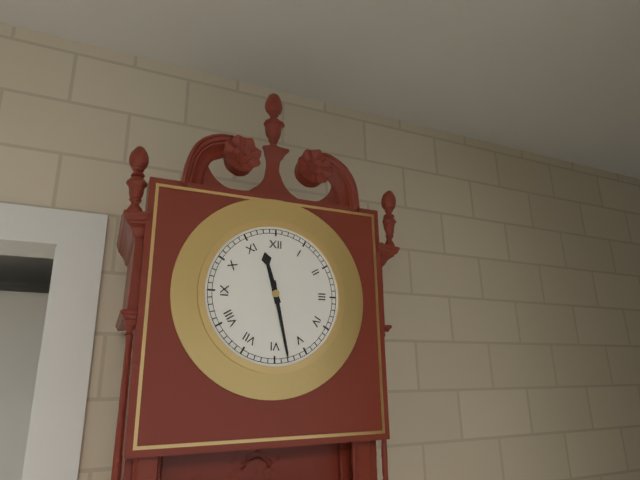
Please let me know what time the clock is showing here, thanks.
11:28
